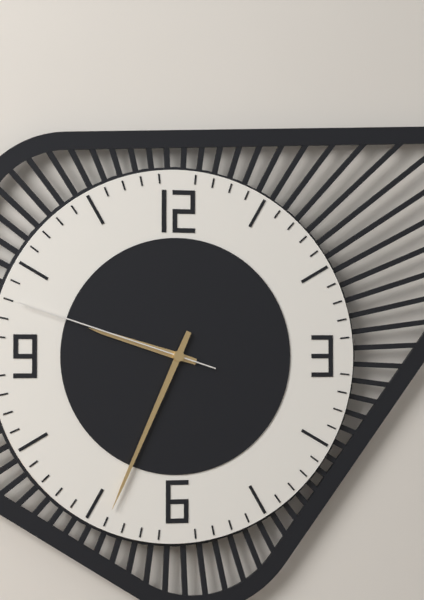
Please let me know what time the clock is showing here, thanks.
9:34:48
